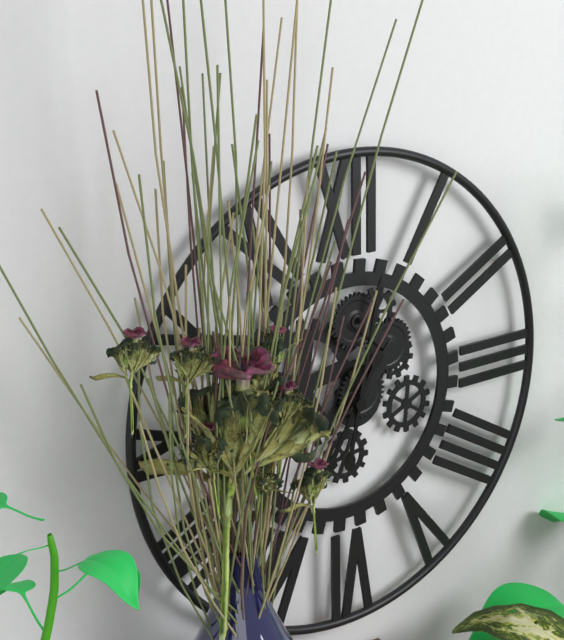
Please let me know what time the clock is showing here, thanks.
7:02
